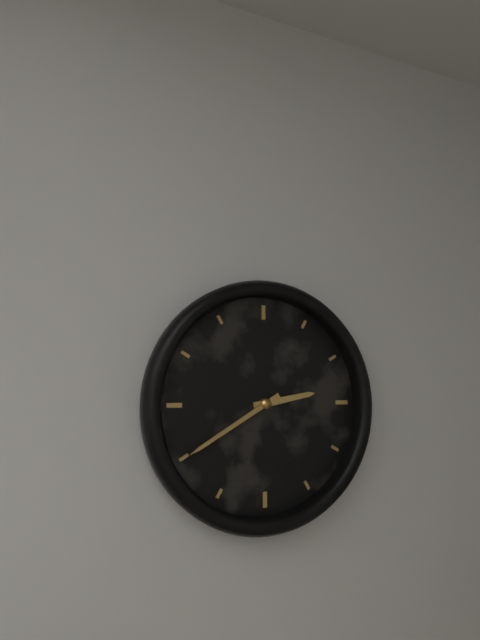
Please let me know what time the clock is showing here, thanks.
2:40
